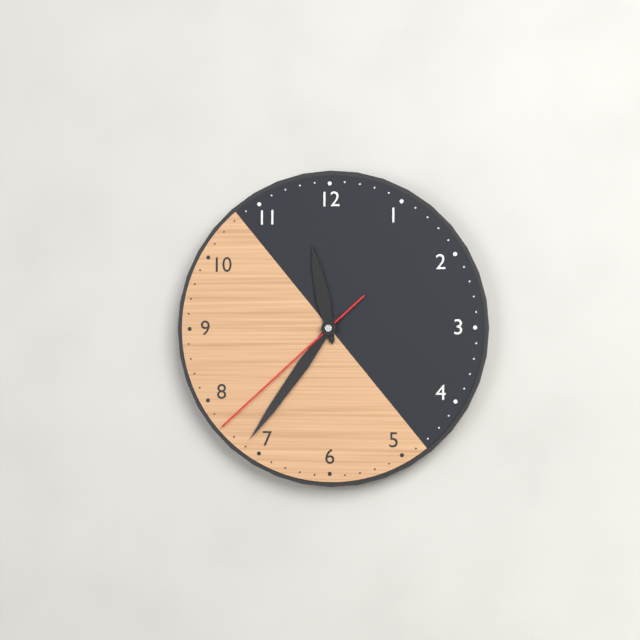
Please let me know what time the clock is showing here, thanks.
11:36:38
